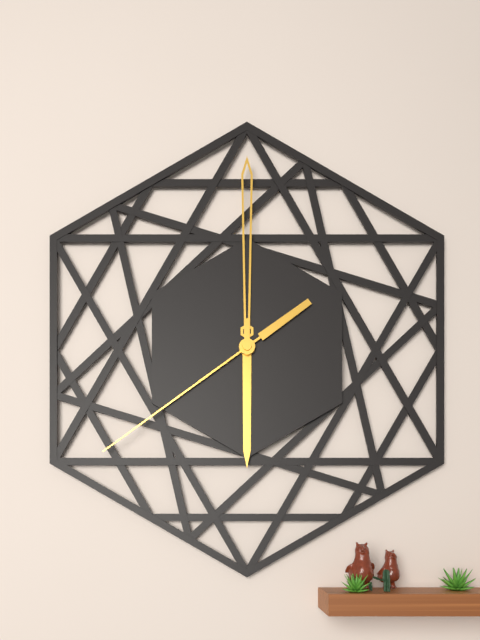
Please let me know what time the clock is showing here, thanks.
6:00:39
